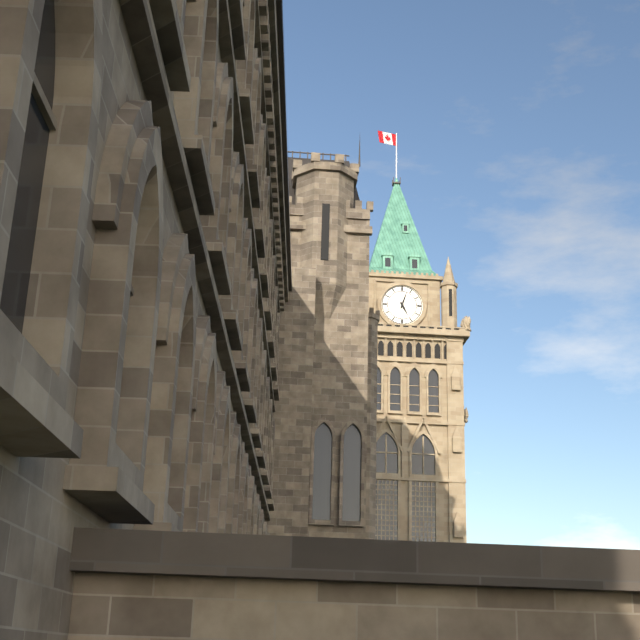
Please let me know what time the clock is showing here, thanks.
5:03
